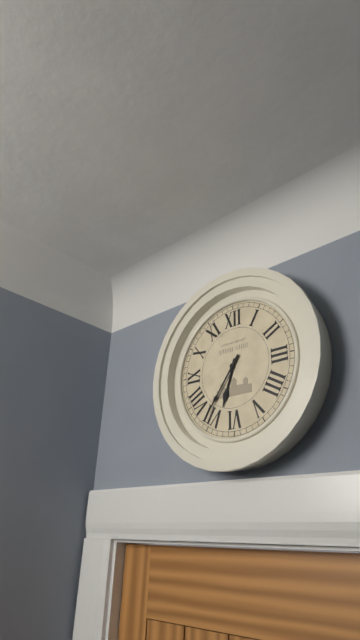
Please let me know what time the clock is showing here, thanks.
6:36
